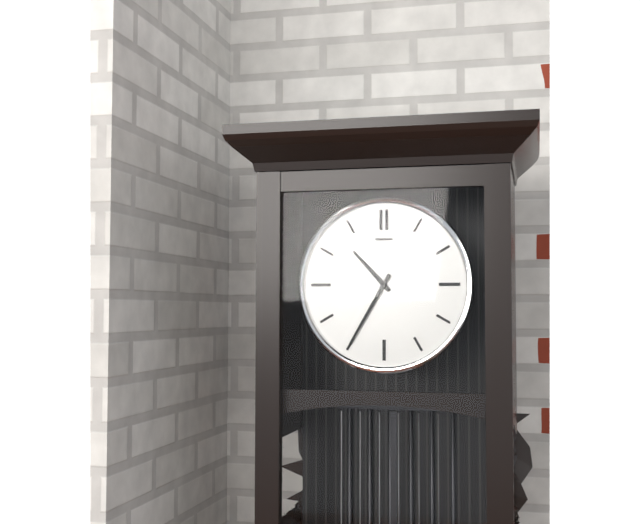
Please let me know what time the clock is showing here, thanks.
10:35
